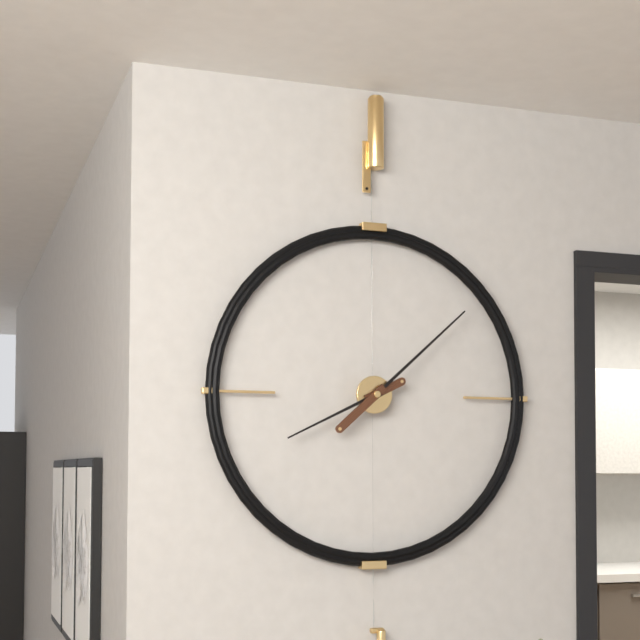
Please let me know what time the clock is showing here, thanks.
8:08
